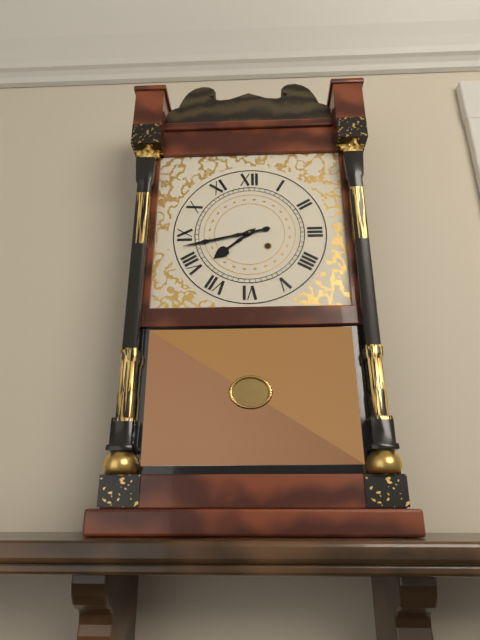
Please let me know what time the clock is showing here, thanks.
7:43
